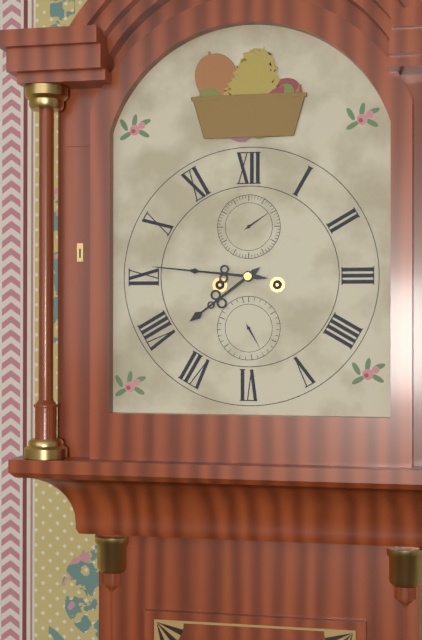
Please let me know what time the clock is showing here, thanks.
7:46
